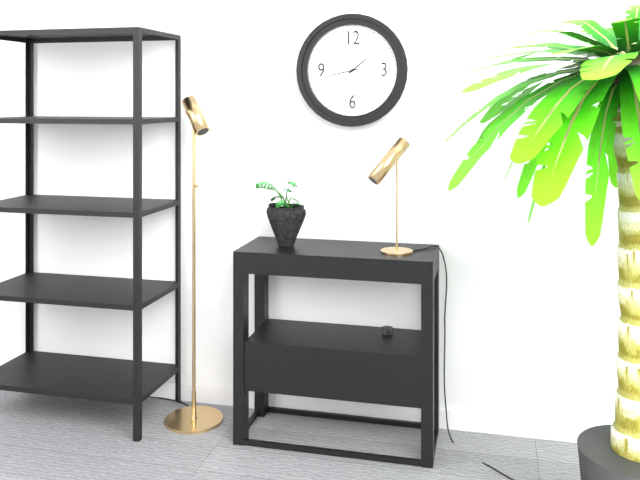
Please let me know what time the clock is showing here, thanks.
1:43
